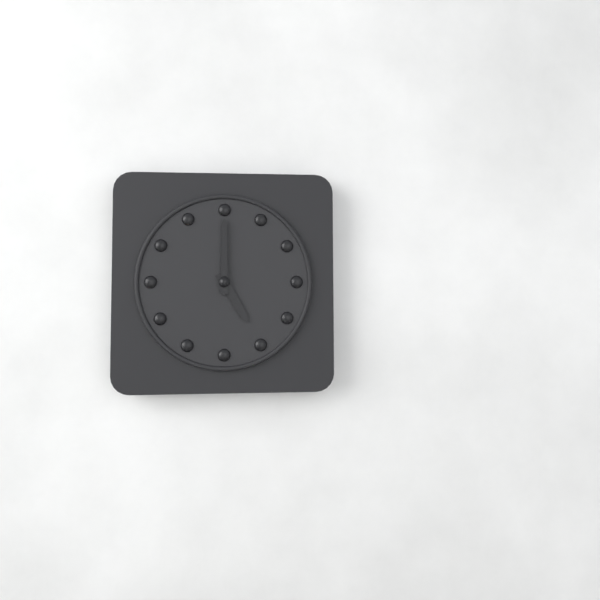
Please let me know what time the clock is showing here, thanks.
5:00
